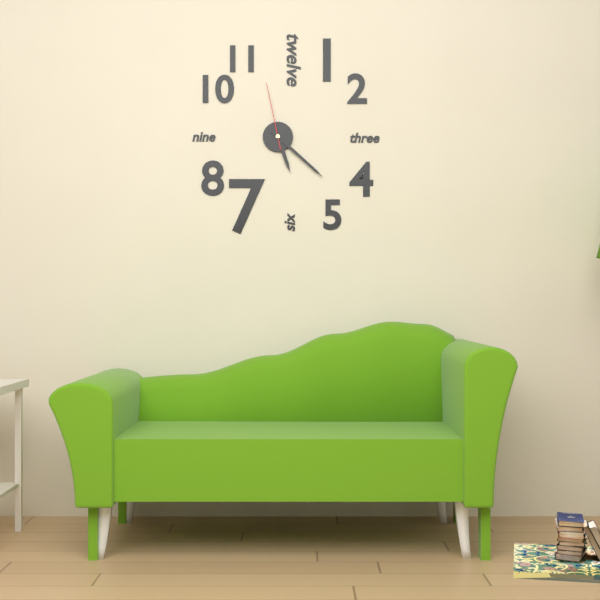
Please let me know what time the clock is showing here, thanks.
5:22:58
